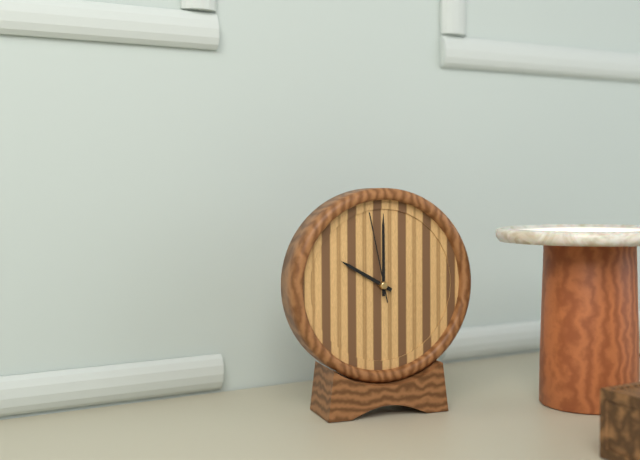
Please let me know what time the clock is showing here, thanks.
10:00:58
